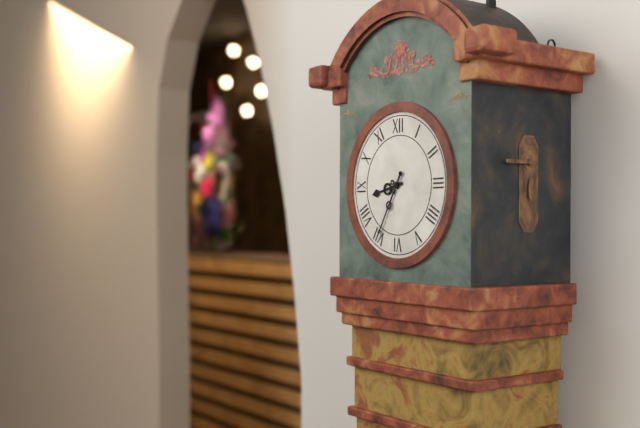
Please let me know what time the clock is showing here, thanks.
8:35
